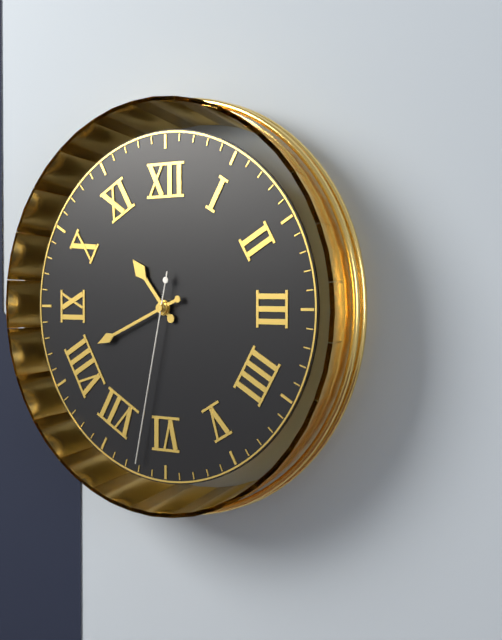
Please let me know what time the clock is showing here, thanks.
10:41:32
